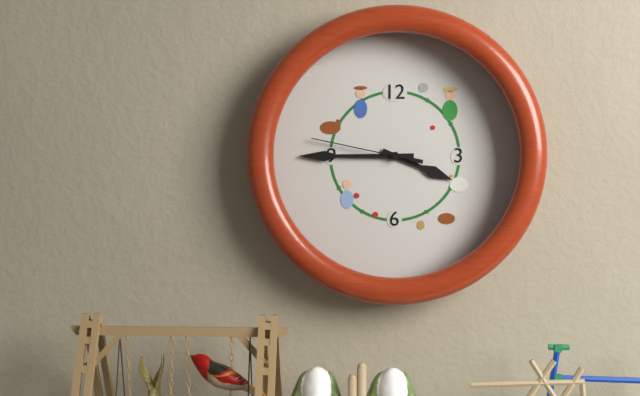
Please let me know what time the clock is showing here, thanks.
3:45:47
